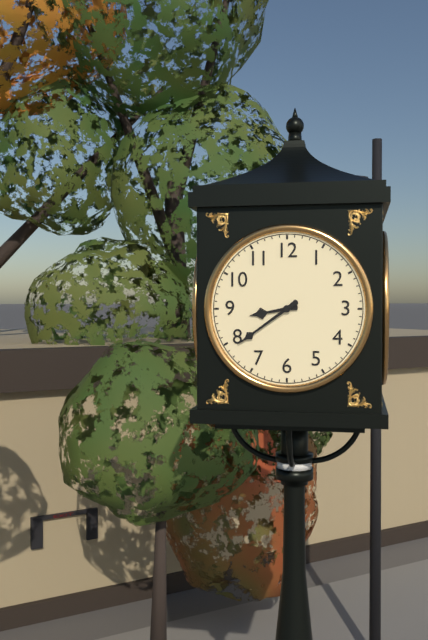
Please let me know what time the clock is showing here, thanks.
8:39
